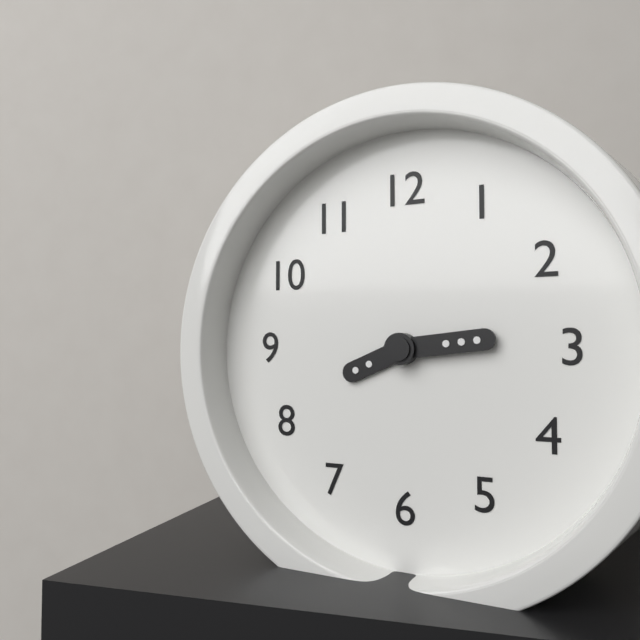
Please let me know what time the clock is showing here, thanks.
8:14
